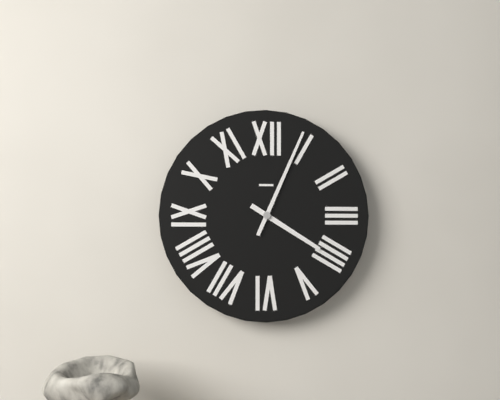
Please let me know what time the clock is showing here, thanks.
4:04
